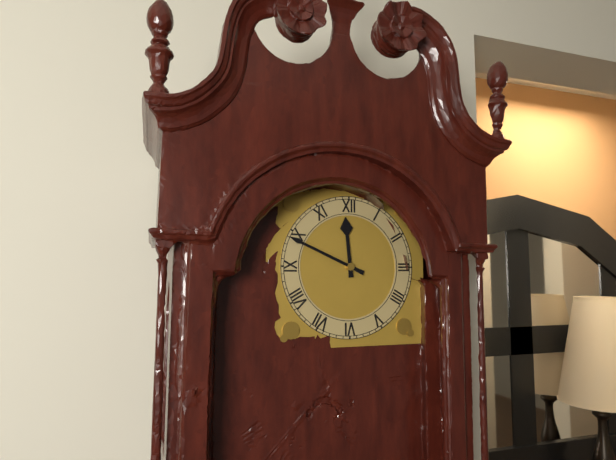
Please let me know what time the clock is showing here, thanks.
11:49
